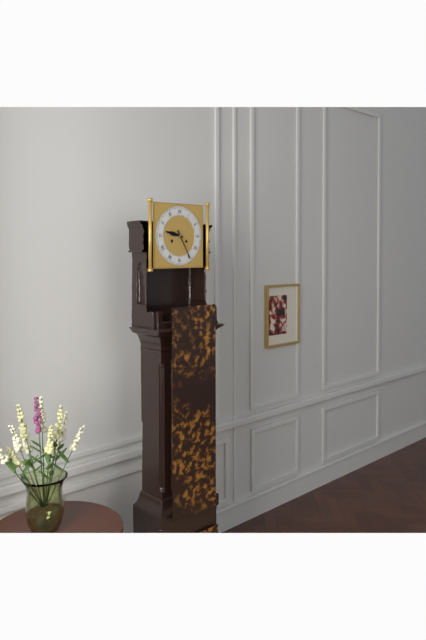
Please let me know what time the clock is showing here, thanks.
9:25
